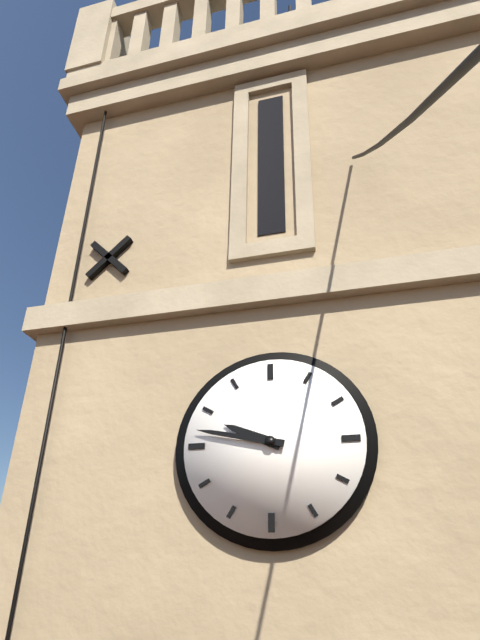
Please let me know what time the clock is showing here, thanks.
9:47
